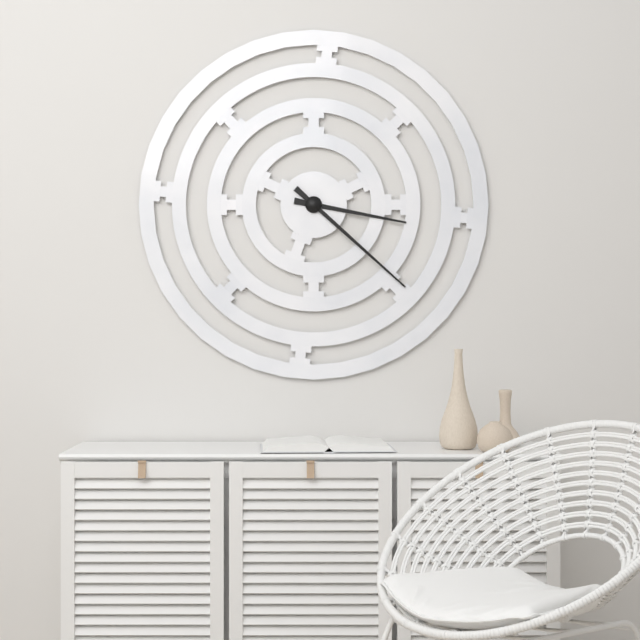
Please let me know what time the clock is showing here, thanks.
3:22
